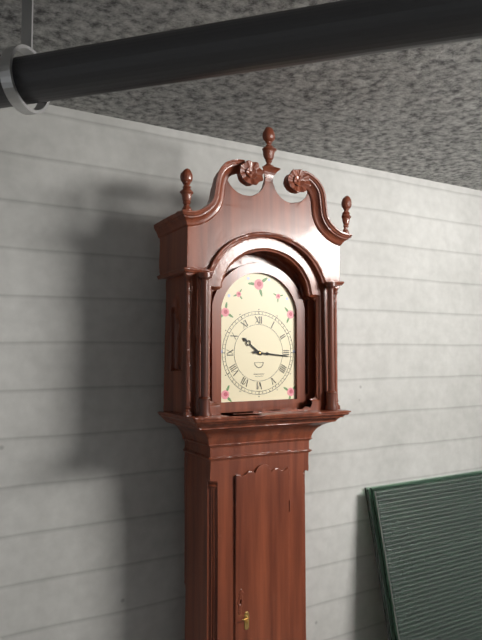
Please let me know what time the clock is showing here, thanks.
10:16
